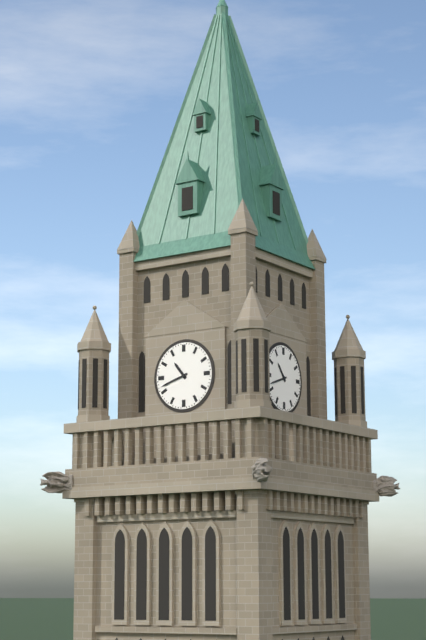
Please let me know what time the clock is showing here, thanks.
10:42
